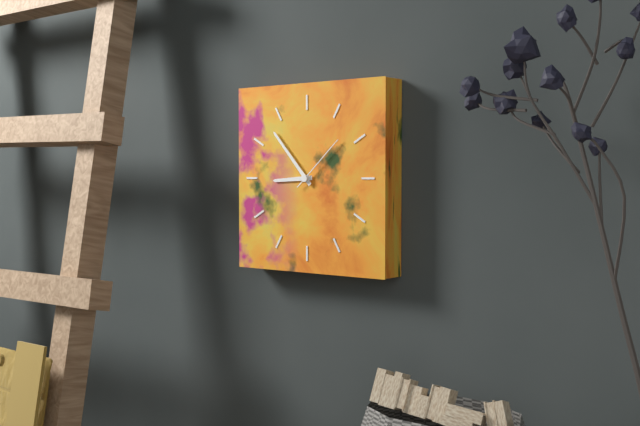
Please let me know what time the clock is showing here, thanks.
8:53:08
